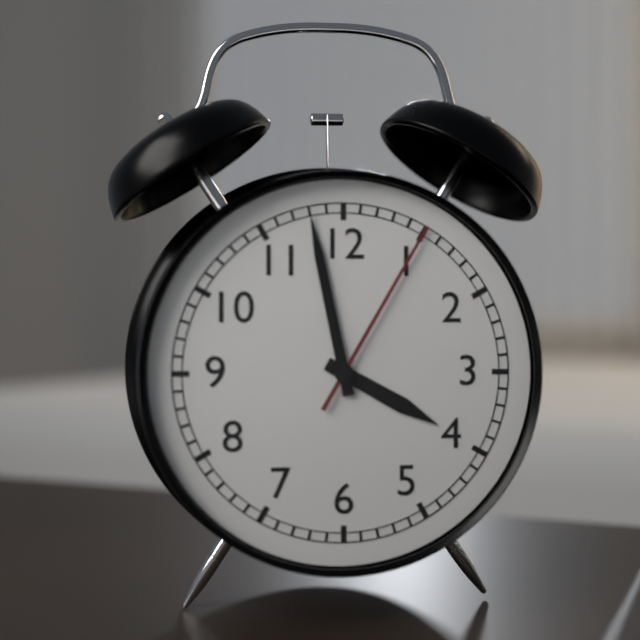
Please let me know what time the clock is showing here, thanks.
3:58:05
